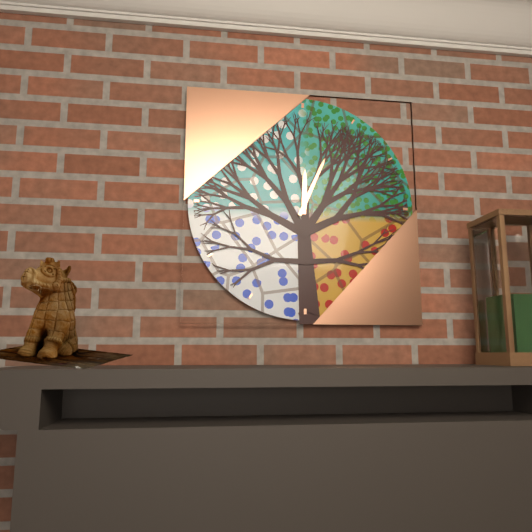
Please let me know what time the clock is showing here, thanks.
12:04
